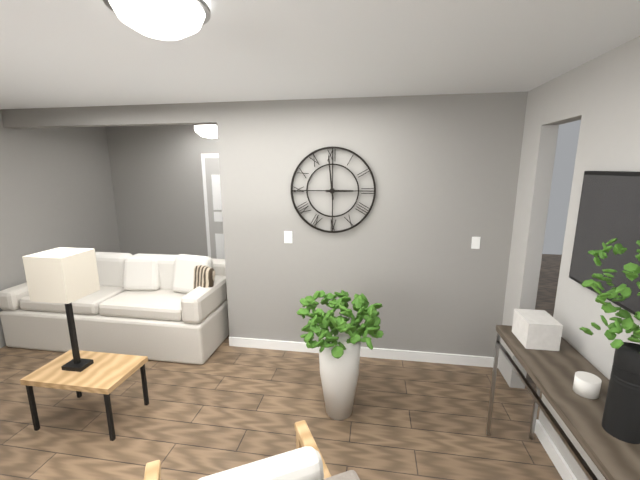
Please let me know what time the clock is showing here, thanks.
2:59
